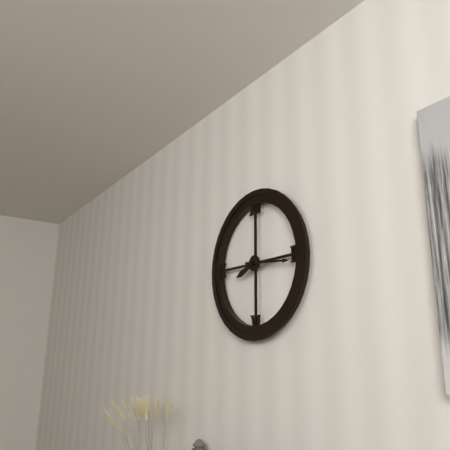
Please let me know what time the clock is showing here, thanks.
8:16
